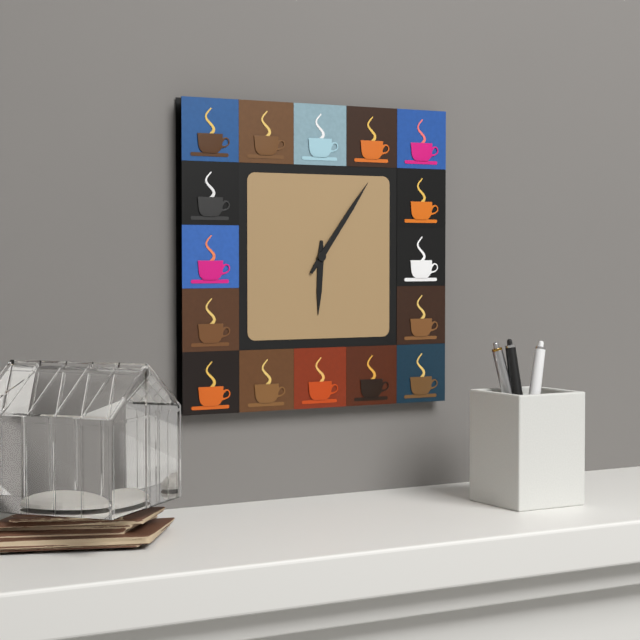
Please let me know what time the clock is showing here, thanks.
6:06
